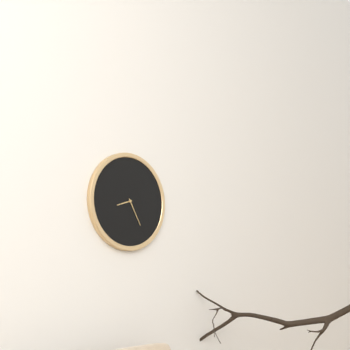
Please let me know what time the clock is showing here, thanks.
8:25
